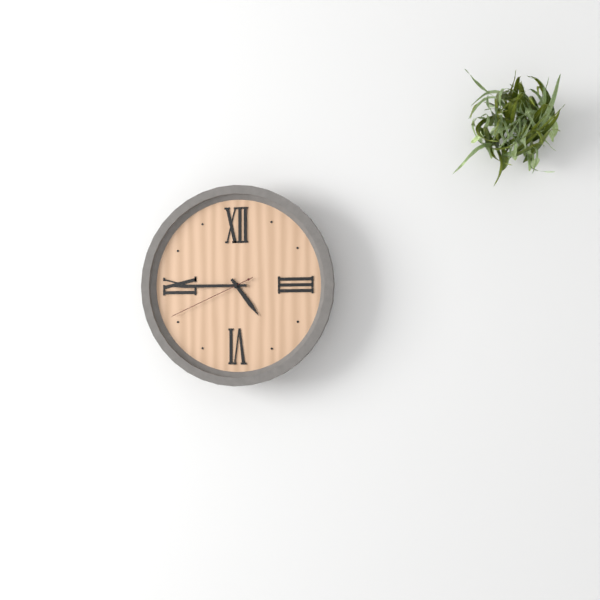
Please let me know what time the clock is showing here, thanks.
4:45:41
